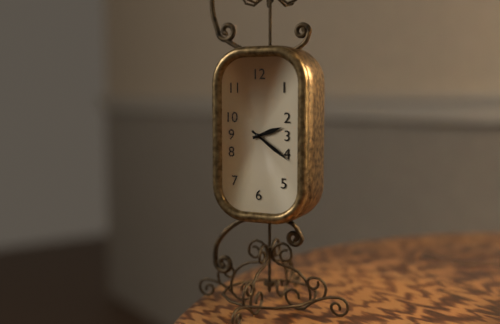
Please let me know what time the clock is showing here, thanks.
2:21
